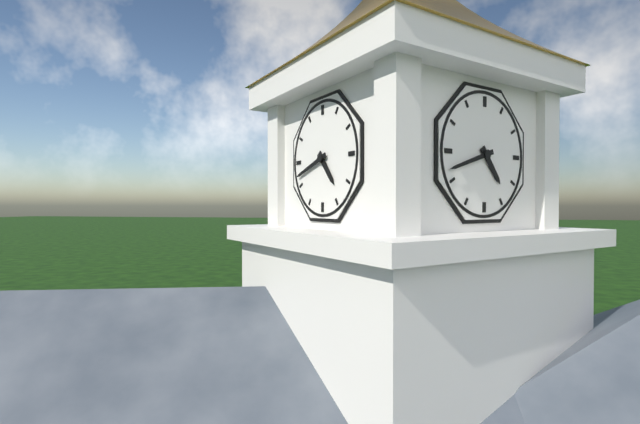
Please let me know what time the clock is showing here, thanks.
4:42
